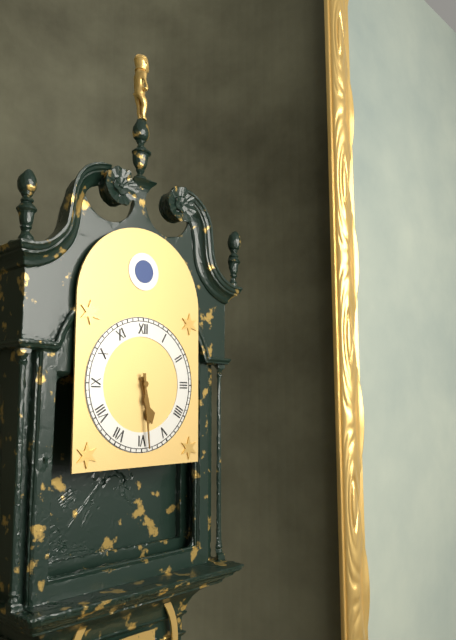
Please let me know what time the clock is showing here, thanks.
5:29
